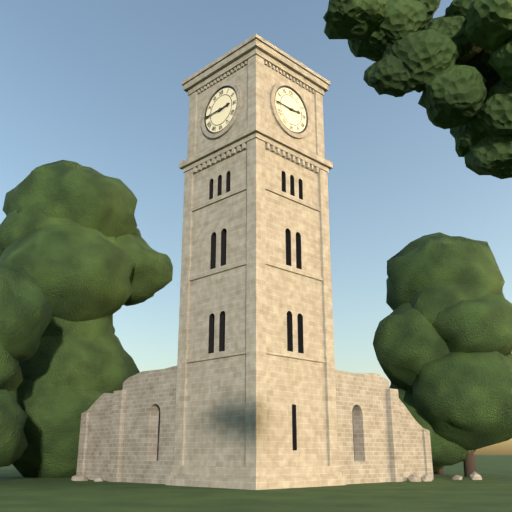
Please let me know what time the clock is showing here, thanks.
2:45
